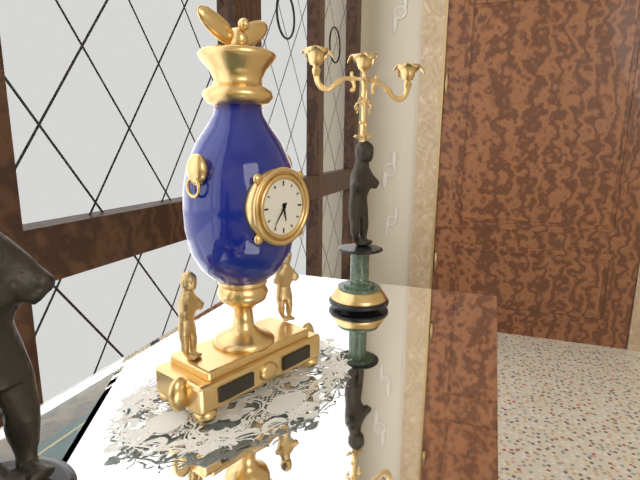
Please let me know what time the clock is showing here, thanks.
5:36
